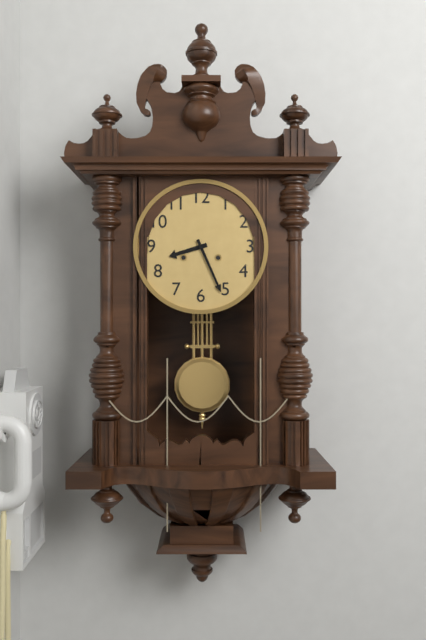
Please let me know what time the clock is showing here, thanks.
8:26
